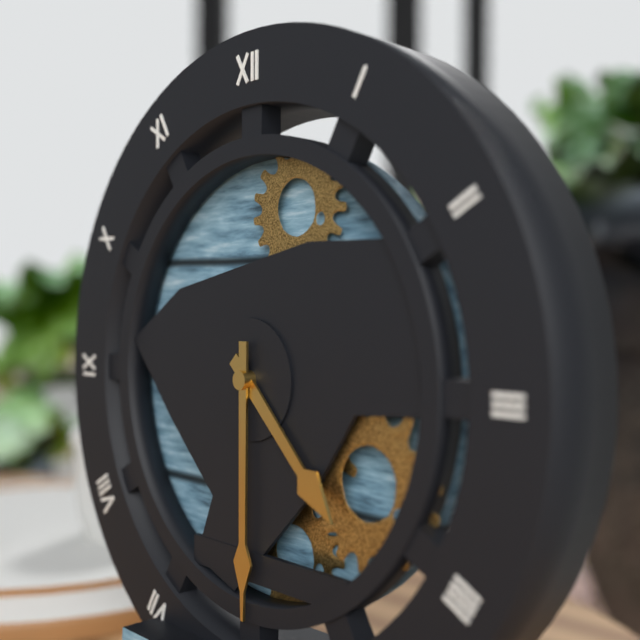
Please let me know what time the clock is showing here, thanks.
4:30
